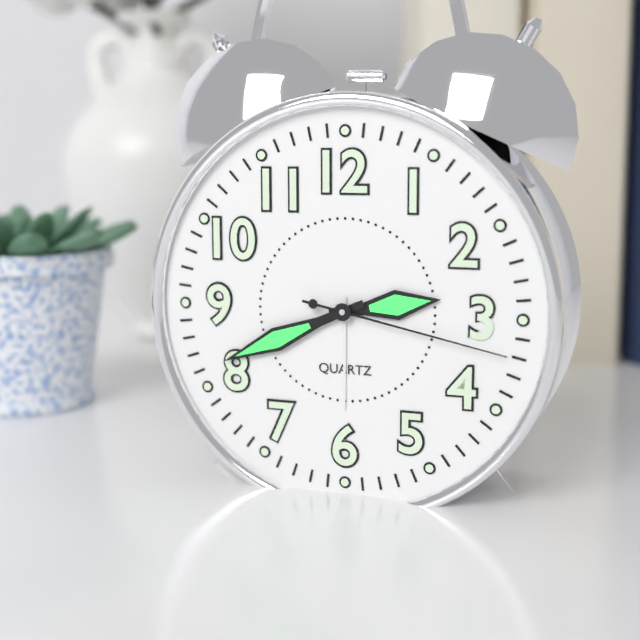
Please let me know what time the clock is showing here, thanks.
2:41:17
